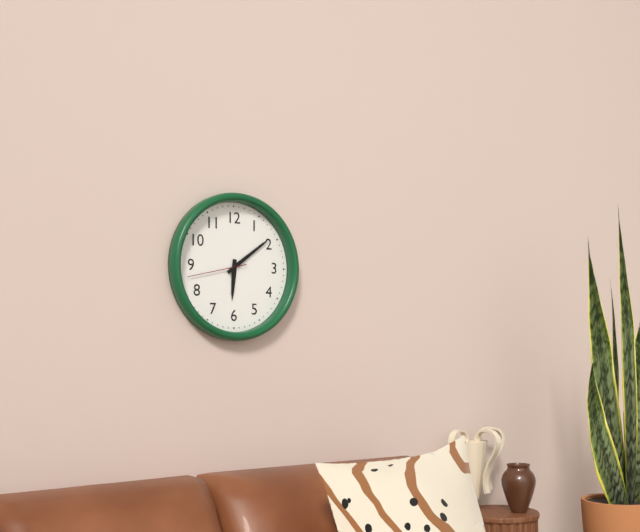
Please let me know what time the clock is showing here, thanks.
6:09:43
